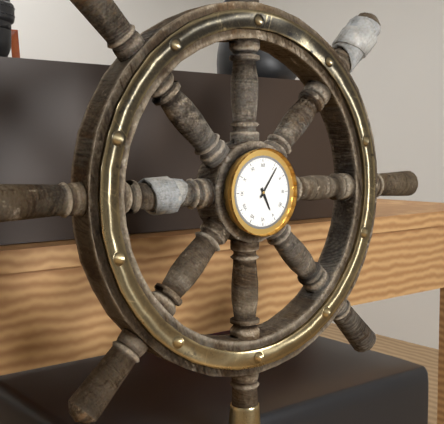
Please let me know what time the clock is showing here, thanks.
5:06
